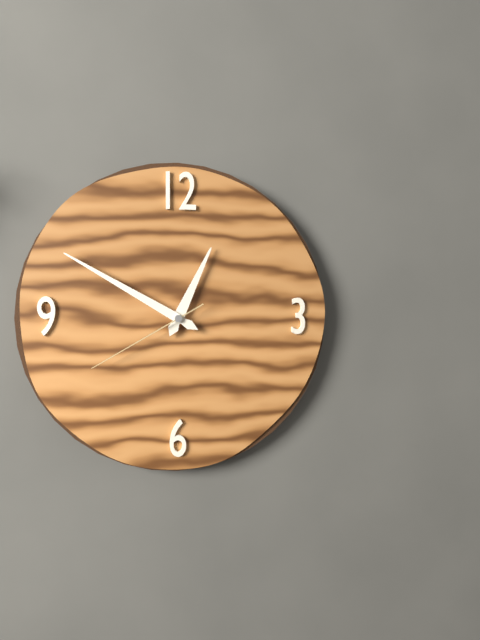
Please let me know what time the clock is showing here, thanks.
12:50:40
